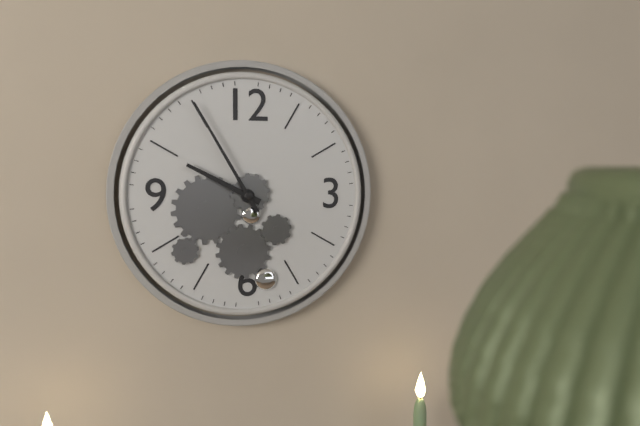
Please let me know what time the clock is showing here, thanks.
9:55
